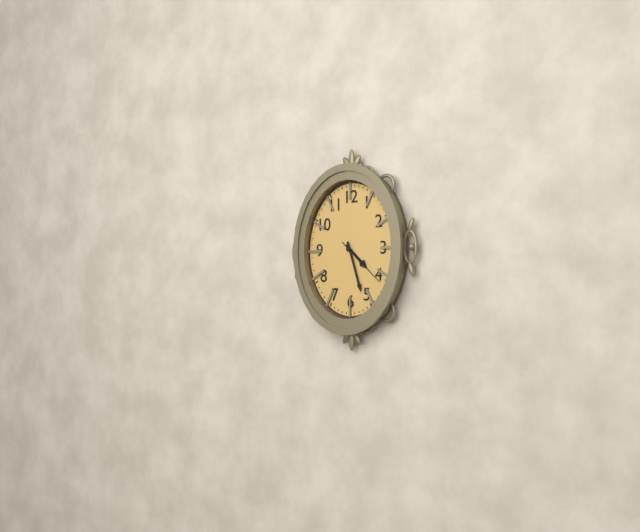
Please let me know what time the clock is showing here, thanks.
4:27:22
